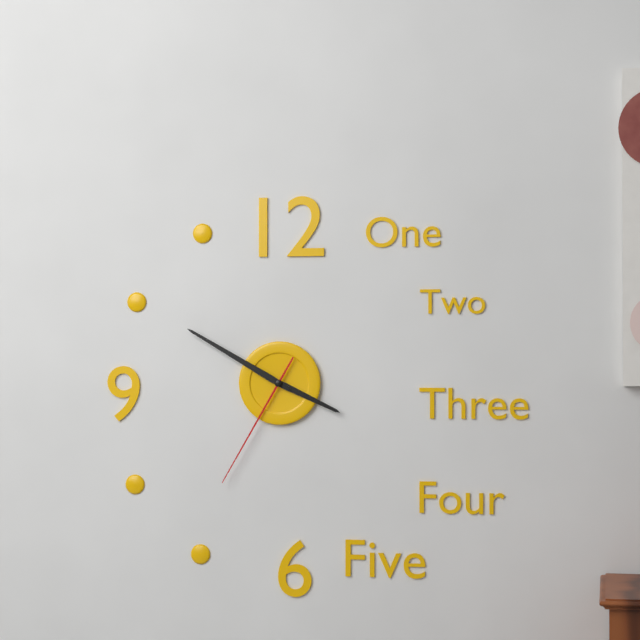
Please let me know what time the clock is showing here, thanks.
3:50:35
